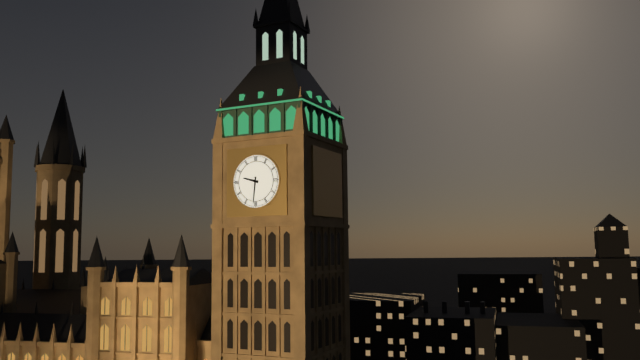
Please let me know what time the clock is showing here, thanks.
9:31
